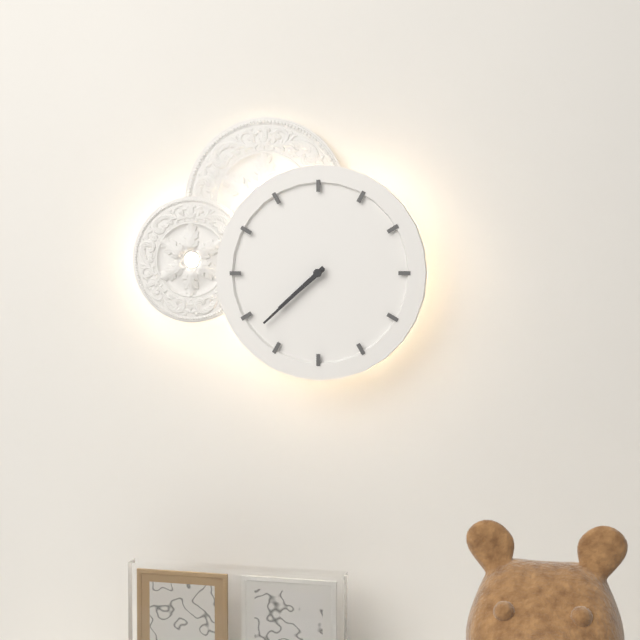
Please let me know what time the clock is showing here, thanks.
7:38
